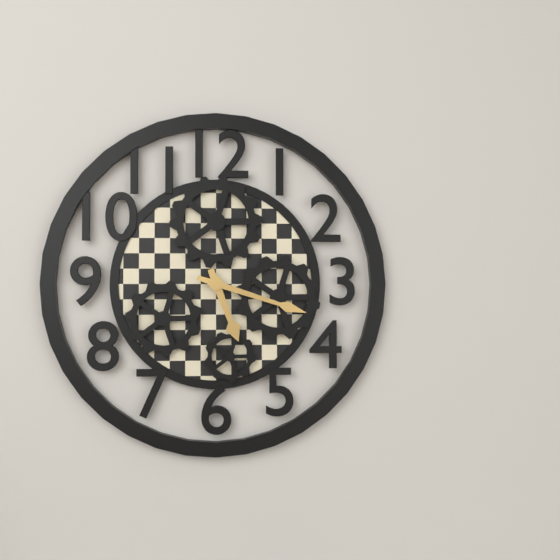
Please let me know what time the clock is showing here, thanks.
5:18
